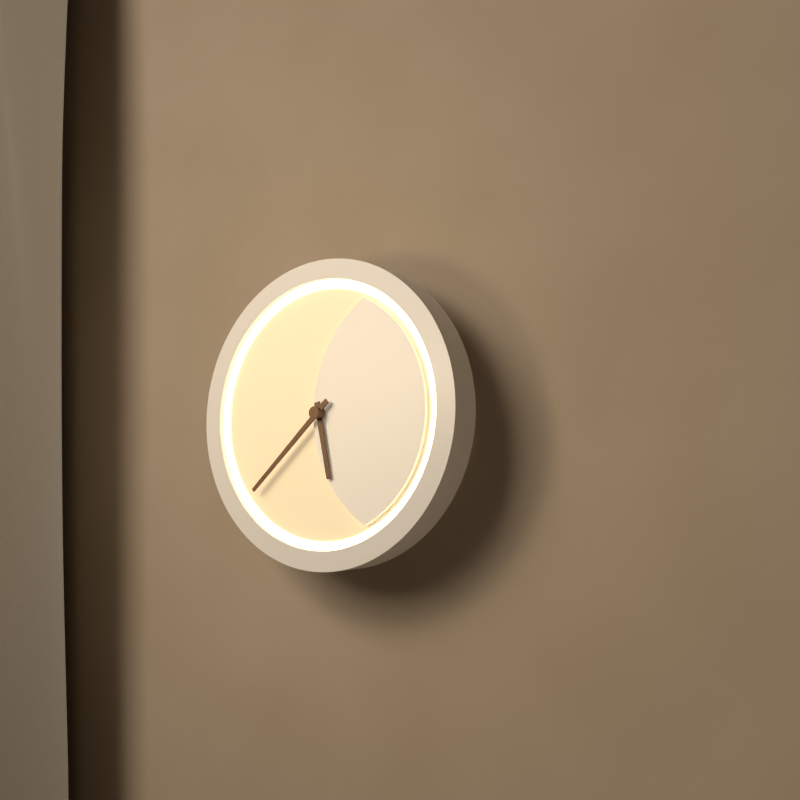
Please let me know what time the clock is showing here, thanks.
5:38
